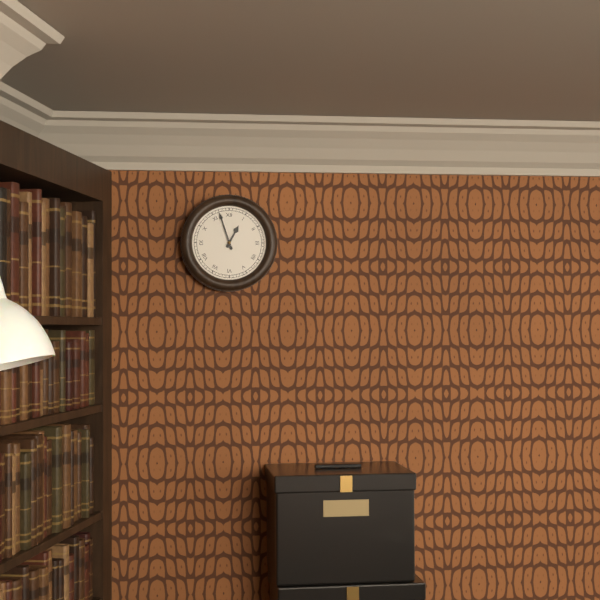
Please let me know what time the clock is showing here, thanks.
12:57
